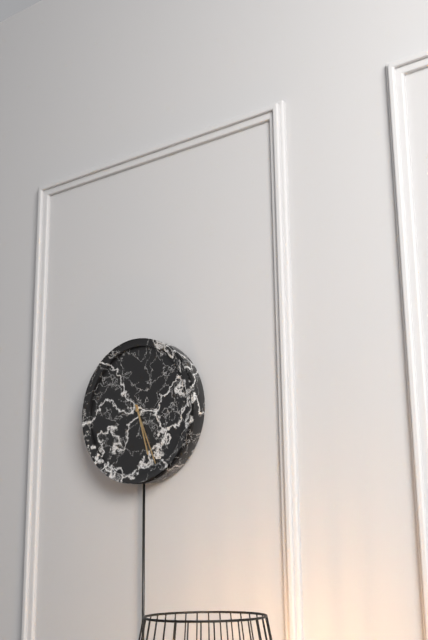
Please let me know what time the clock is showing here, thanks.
5:26
